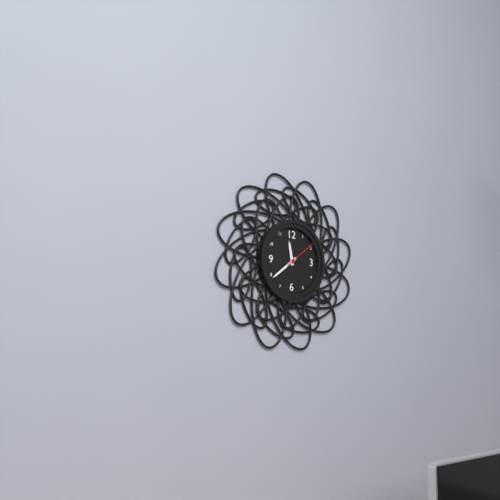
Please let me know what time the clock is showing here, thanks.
11:39
